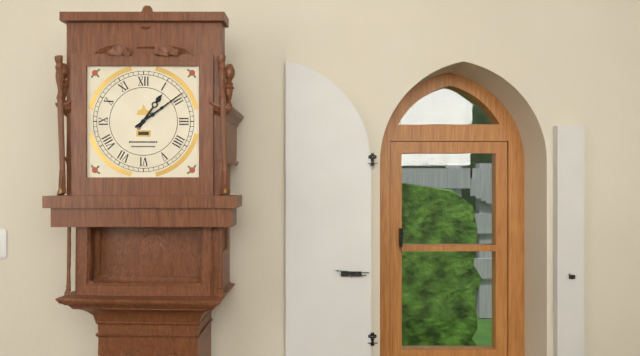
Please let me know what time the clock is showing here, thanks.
1:09
